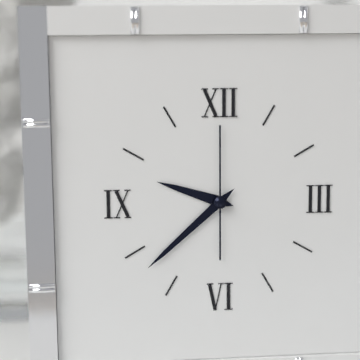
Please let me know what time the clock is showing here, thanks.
9:38:00
